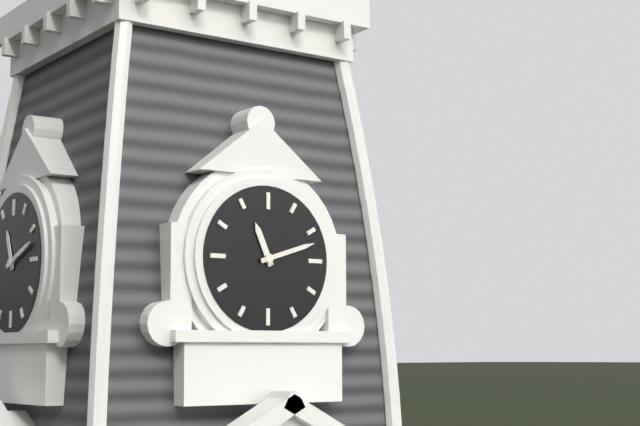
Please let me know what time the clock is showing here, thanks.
11:12
